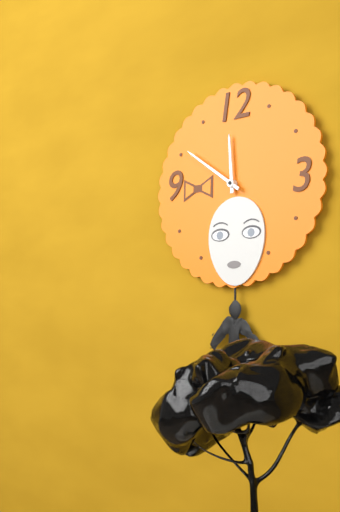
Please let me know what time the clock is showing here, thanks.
11:51
